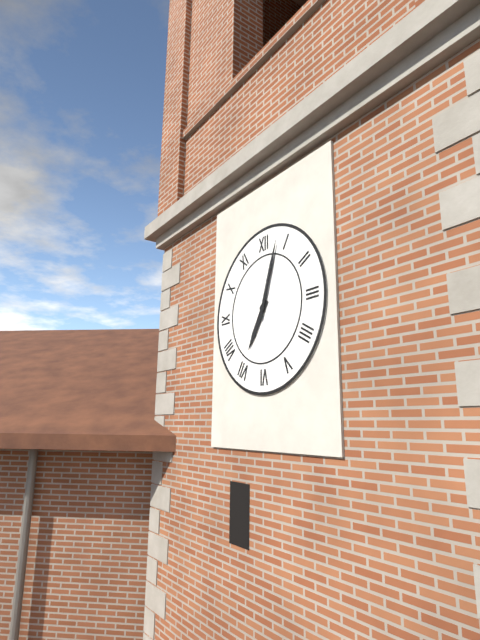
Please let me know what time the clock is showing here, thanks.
7:03
